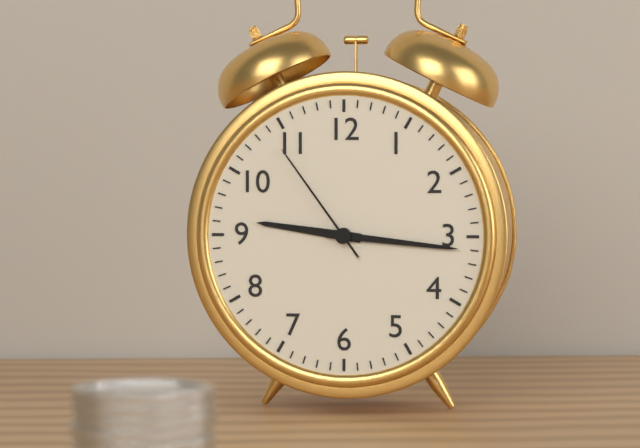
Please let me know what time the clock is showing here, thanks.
9:16:54
